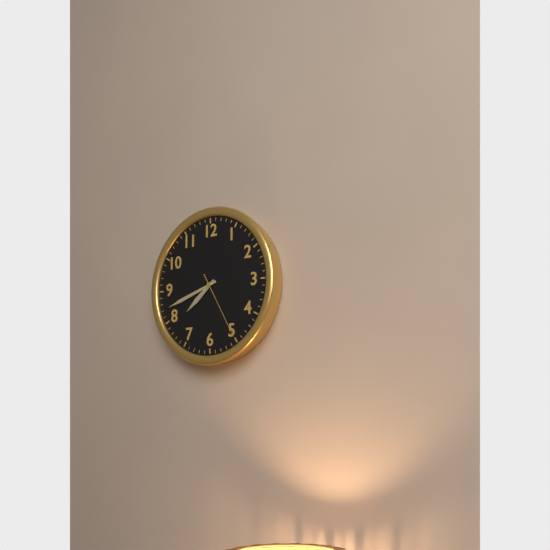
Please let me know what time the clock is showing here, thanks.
7:42:25
